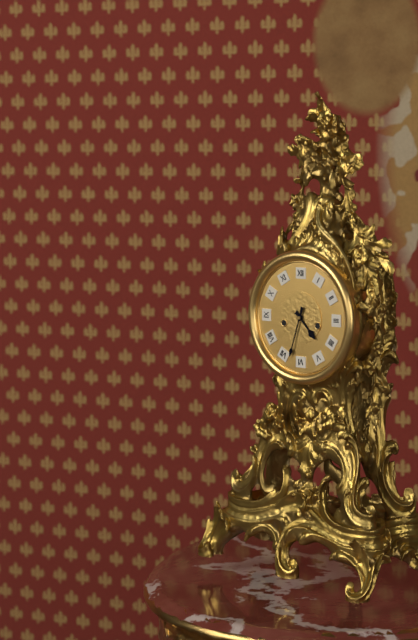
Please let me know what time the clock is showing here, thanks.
4:33
